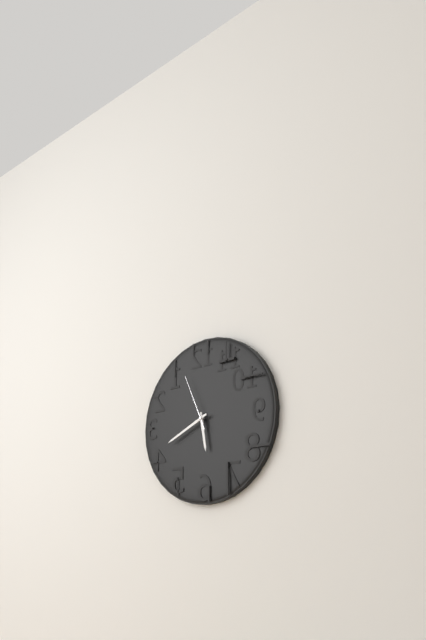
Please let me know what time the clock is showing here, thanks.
5:41:56
